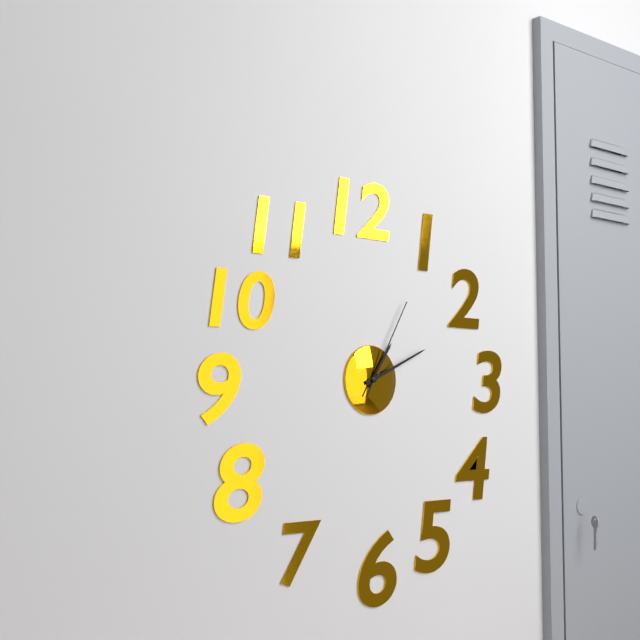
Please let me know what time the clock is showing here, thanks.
1:11:05
